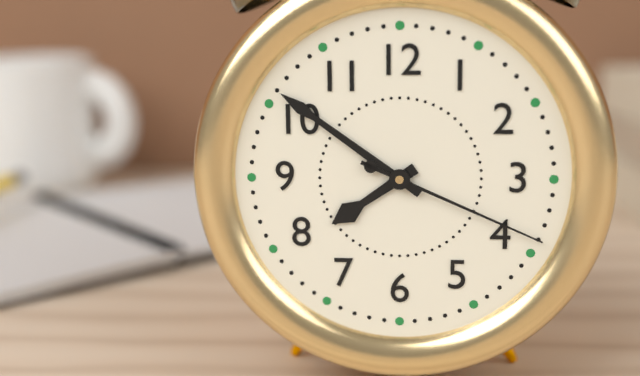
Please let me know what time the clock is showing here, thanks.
7:51:19
